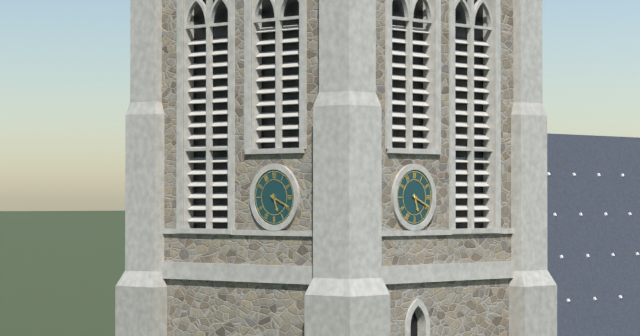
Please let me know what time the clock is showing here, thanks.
5:19
